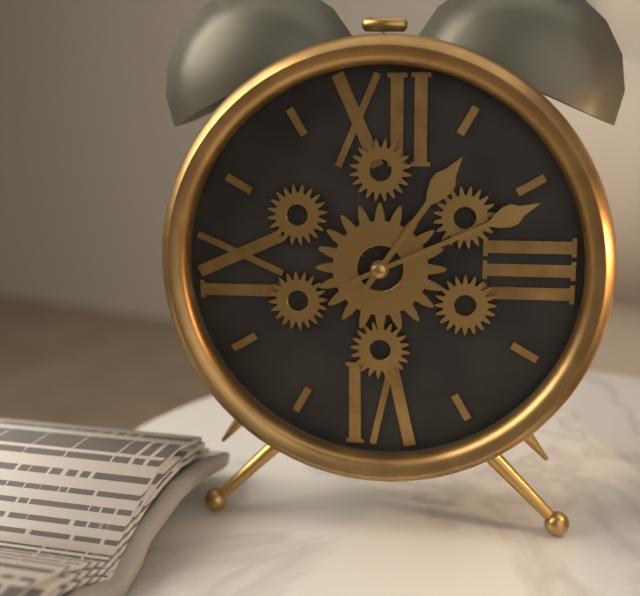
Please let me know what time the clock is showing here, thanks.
1:11
